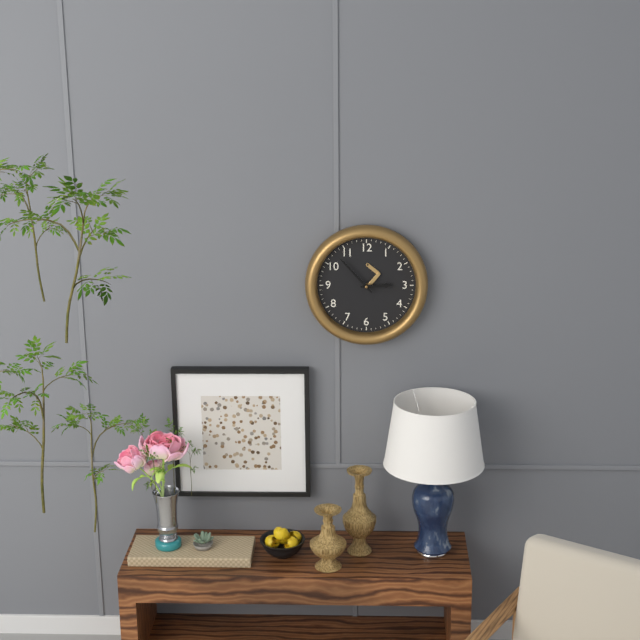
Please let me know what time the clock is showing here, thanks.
2:53
